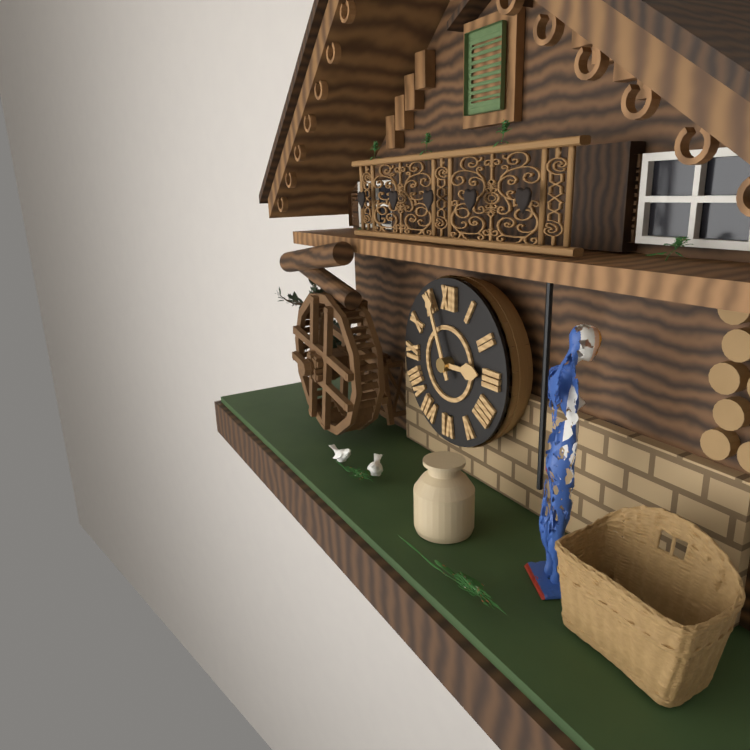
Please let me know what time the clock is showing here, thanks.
2:56
